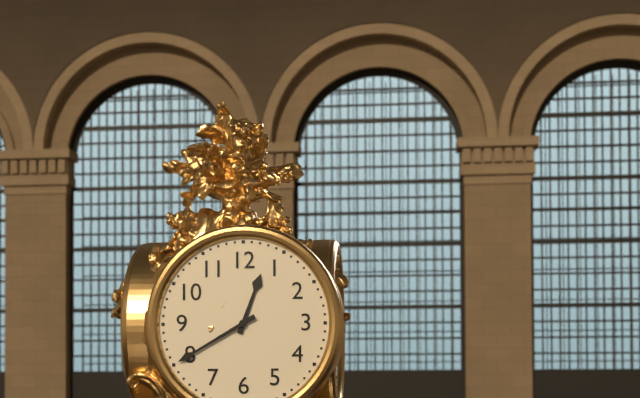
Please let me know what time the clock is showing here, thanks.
12:40
